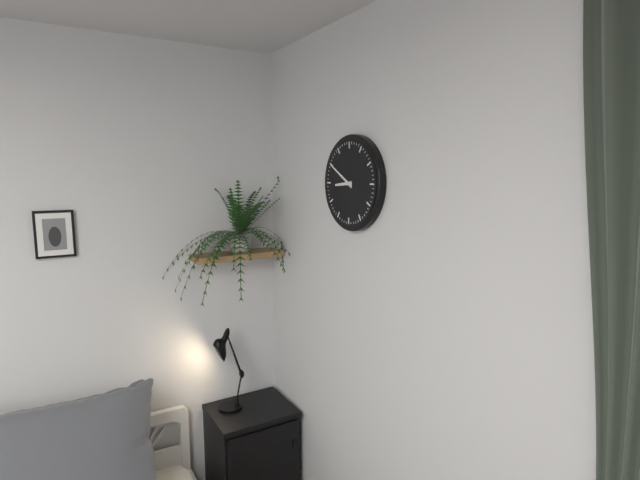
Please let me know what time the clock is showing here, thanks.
8:50
